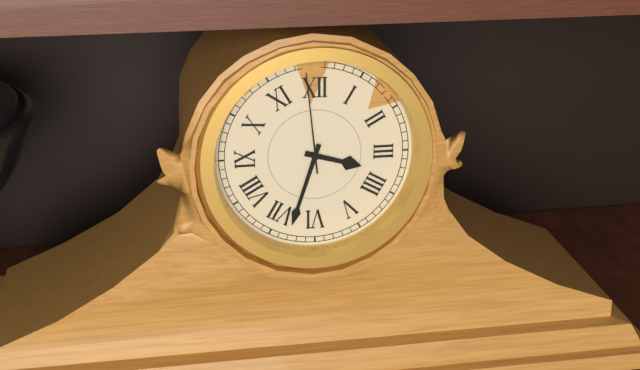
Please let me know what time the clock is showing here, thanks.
3:33:59
